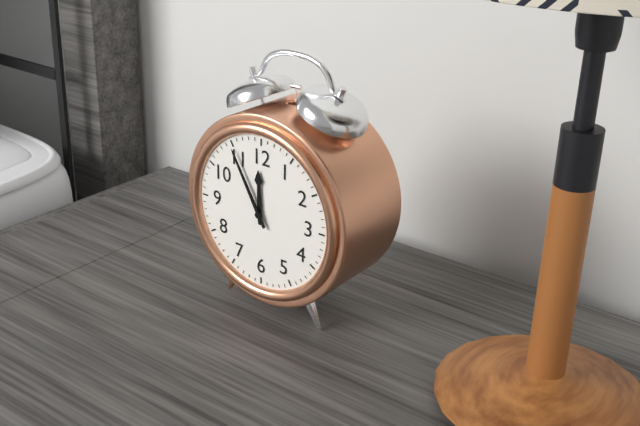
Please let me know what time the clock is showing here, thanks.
11:55
